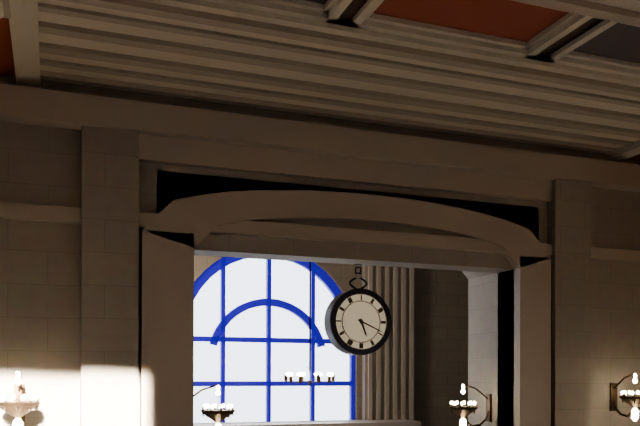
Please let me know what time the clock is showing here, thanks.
5:19
